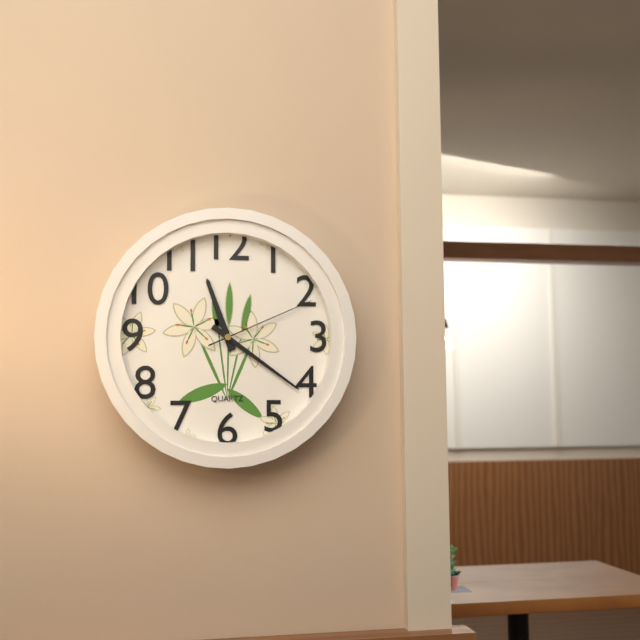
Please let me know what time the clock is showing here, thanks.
11:21:11
